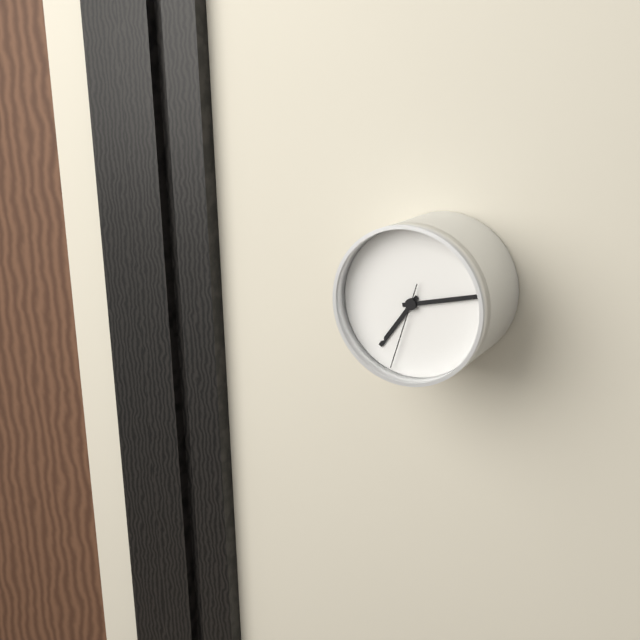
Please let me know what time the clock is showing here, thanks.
7:13:33
